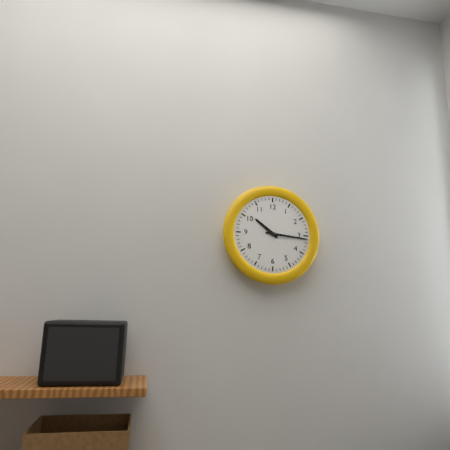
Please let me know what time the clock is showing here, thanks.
10:16
